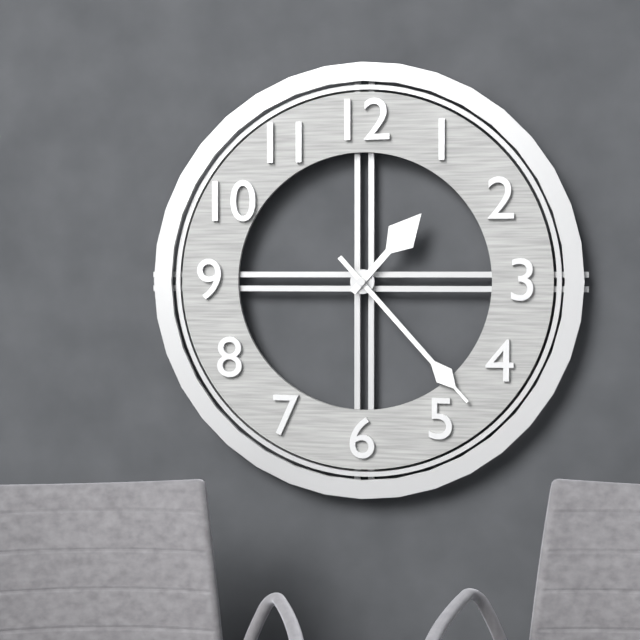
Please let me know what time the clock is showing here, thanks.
1:23
